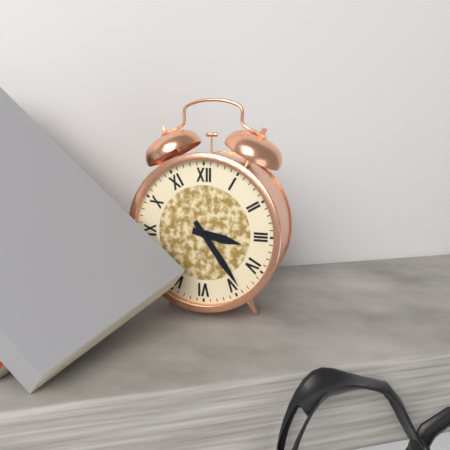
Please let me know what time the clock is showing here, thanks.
3:24
